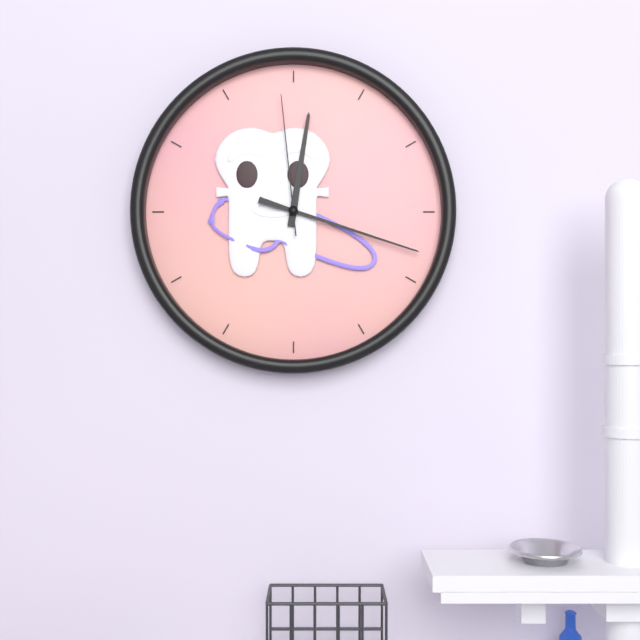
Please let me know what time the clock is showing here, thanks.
12:18:59
